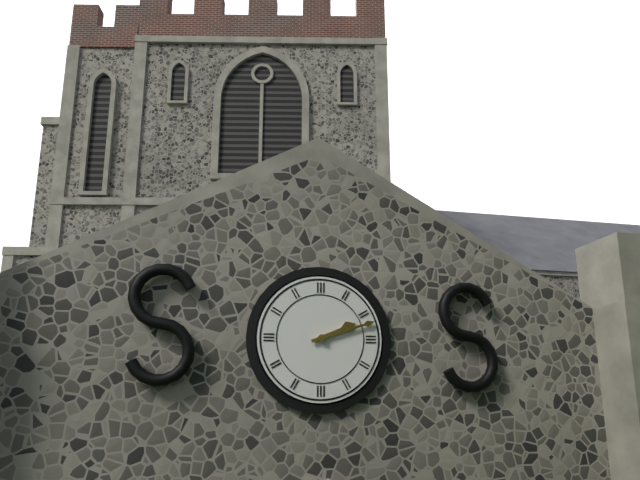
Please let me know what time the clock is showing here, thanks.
2:12
